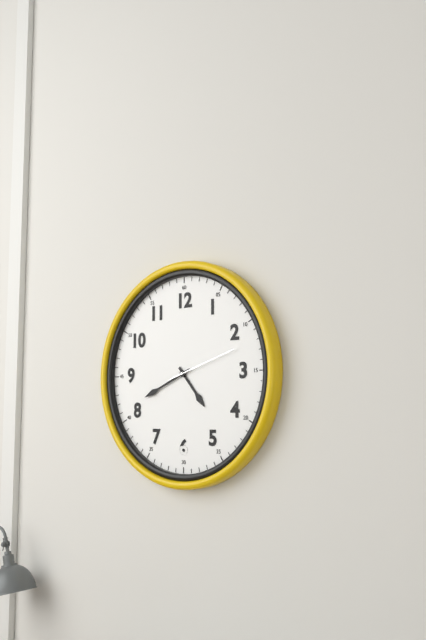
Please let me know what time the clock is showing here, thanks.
4:41:12
